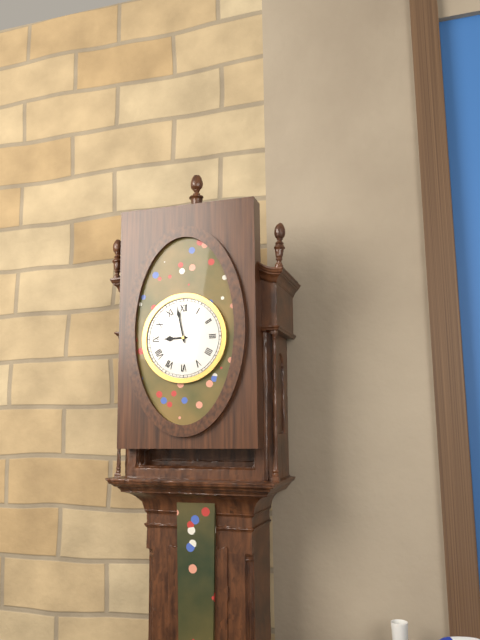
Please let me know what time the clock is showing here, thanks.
8:58
